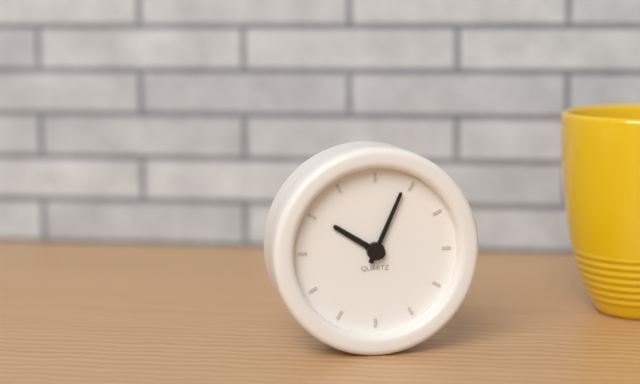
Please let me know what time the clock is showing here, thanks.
10:04
